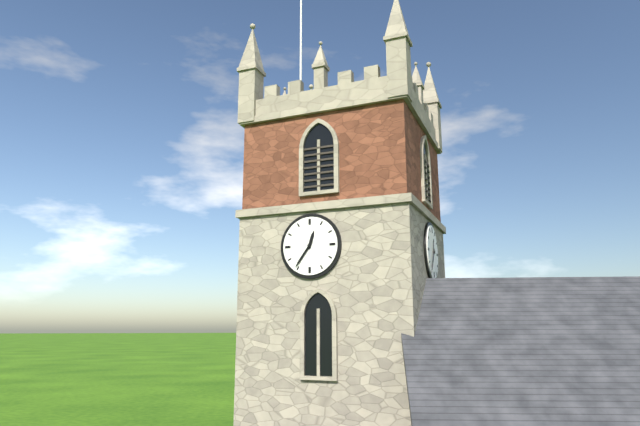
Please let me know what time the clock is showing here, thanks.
12:36
